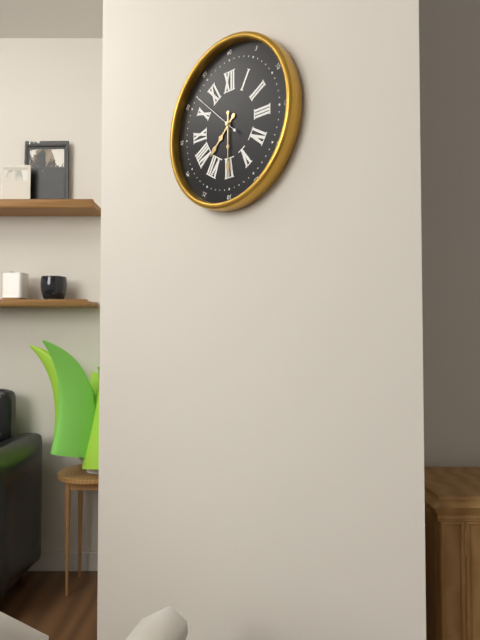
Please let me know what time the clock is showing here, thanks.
7:30:52
